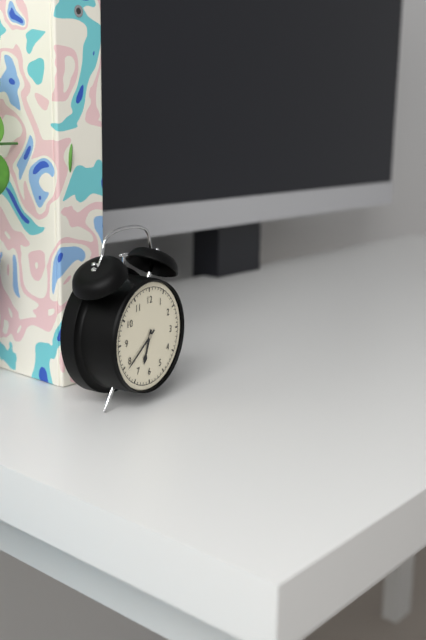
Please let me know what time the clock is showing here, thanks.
6:39
